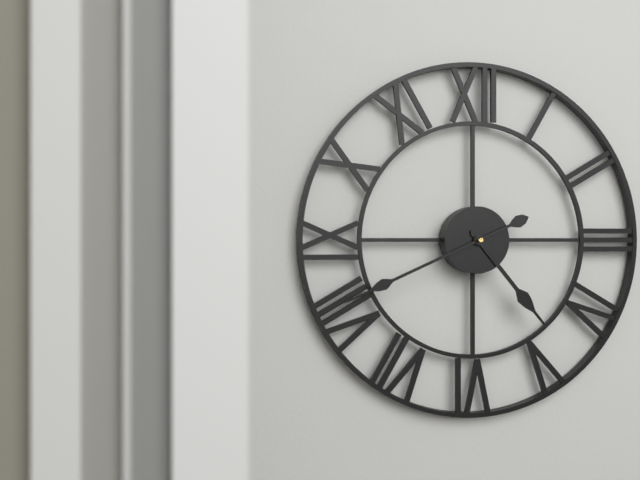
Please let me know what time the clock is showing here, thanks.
4:41
